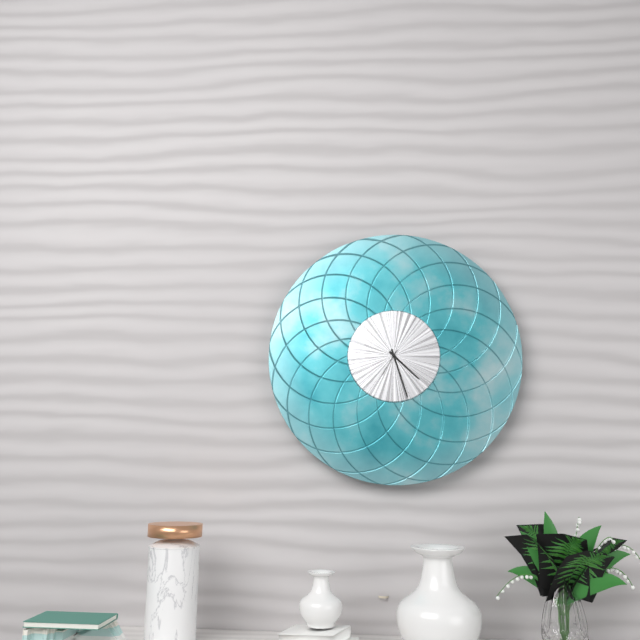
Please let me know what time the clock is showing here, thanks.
4:27
